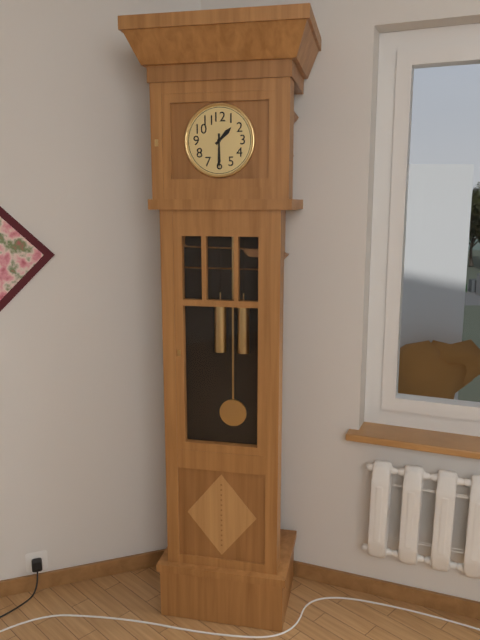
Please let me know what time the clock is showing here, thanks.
1:30
